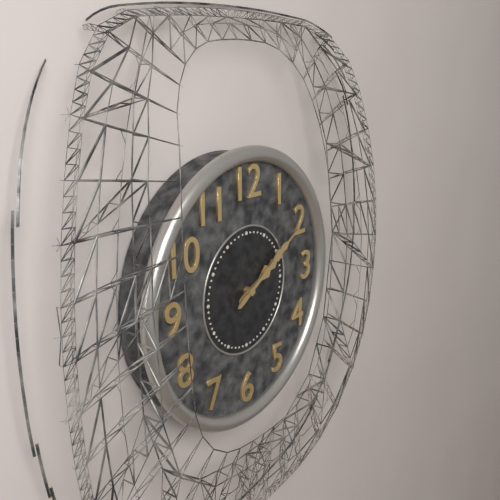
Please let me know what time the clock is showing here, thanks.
2:10
